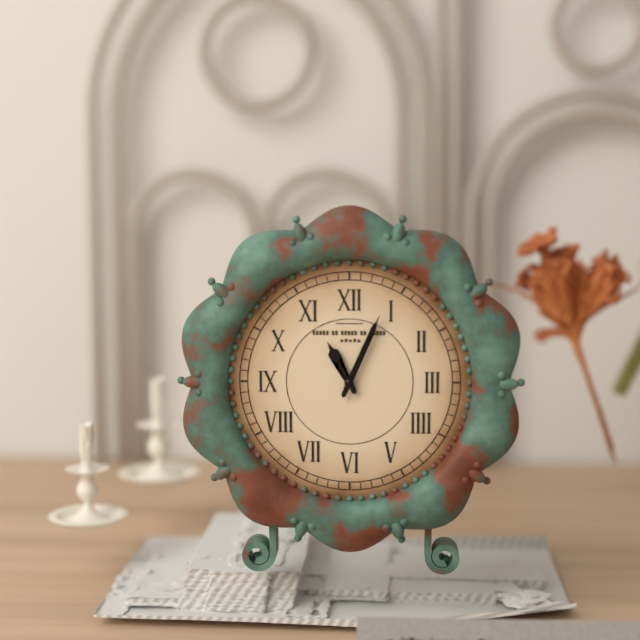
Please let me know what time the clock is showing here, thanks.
11:04
